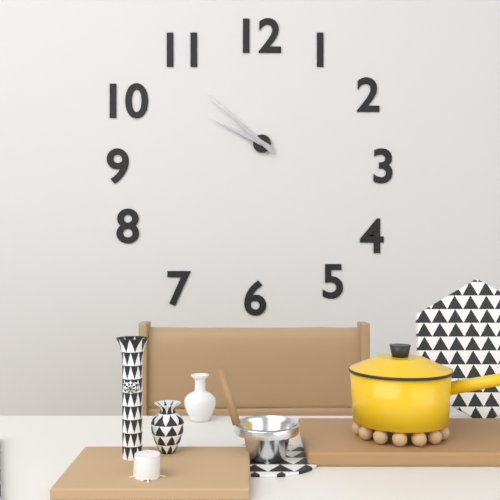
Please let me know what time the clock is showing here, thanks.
9:52
